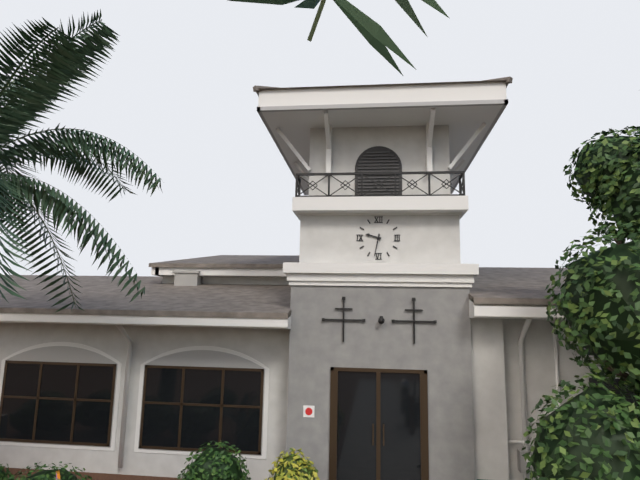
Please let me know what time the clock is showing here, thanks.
9:32
